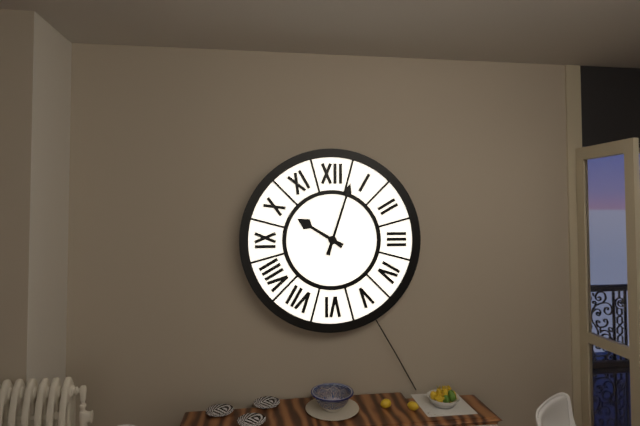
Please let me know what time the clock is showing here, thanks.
10:03
